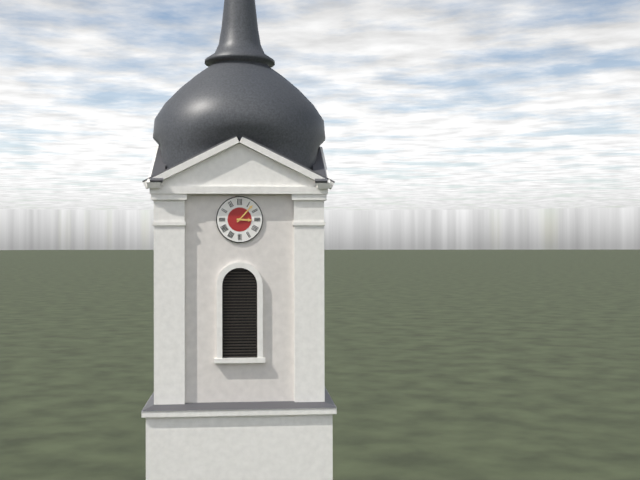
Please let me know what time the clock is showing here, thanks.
3:07
